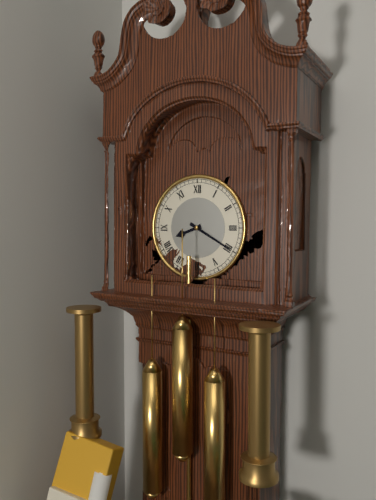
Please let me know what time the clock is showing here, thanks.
8:20
